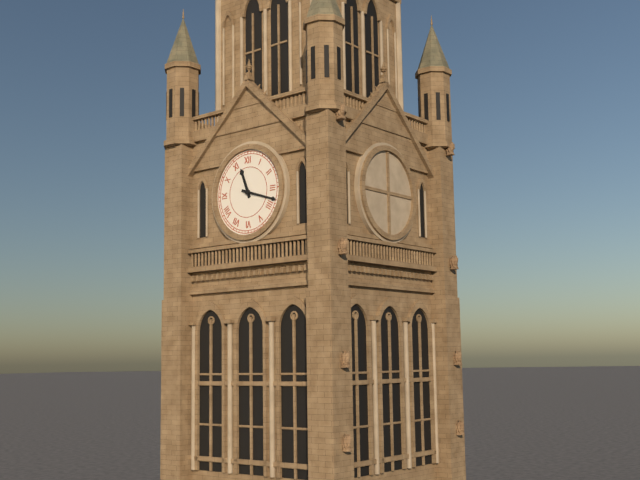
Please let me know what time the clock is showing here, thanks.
11:18
